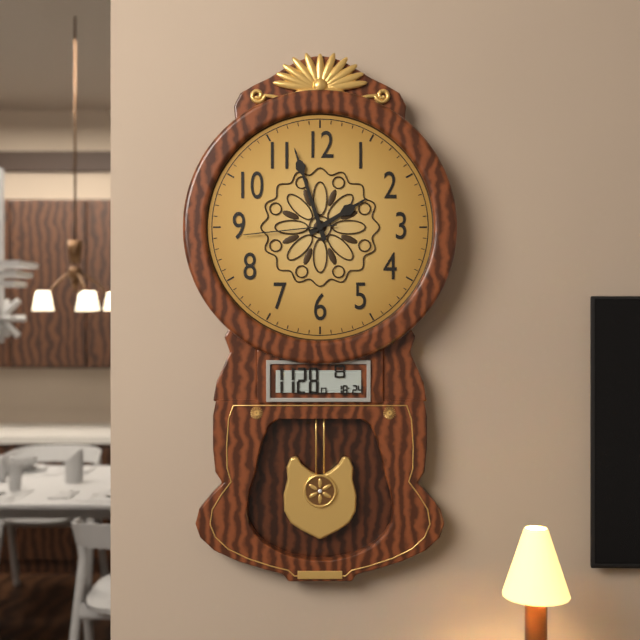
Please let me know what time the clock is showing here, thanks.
1:57:44
